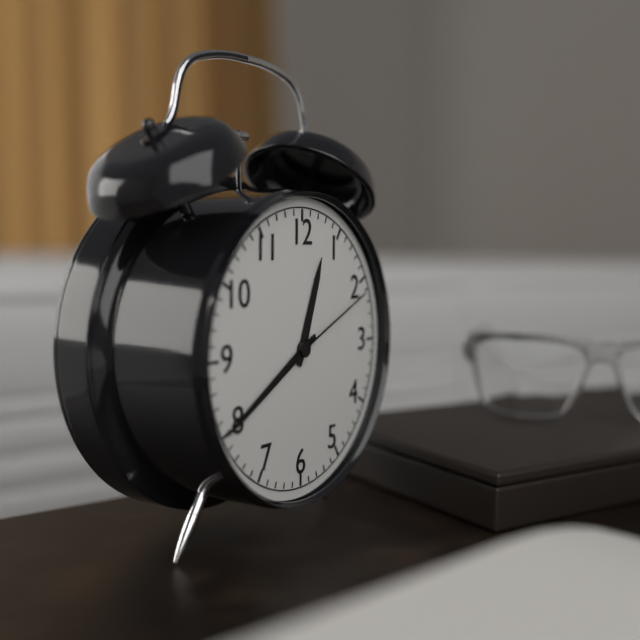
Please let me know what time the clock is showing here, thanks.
12:40:11
